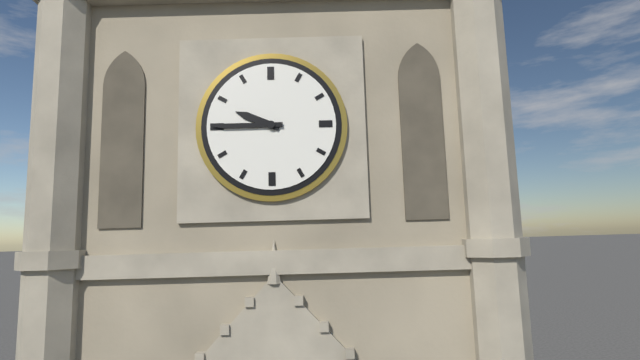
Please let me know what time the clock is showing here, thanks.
9:45
